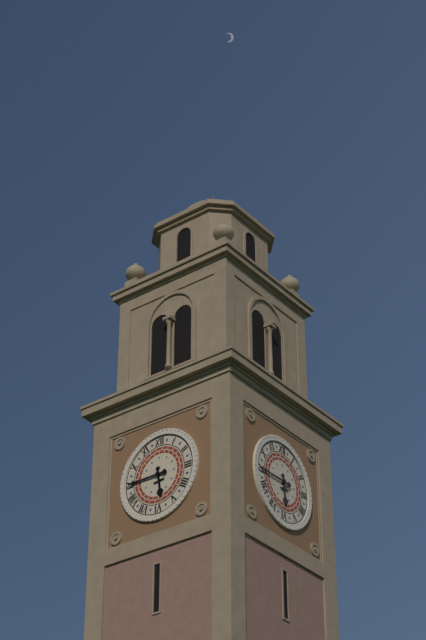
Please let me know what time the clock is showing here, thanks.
5:45
